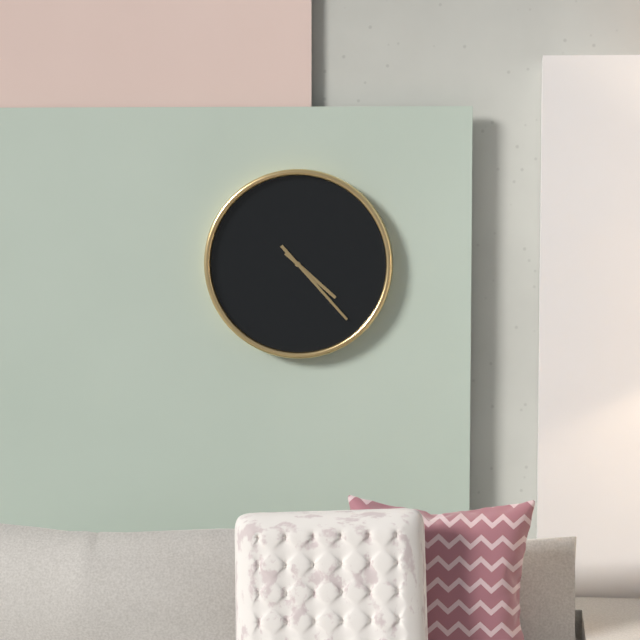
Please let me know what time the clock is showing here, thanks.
4:23
